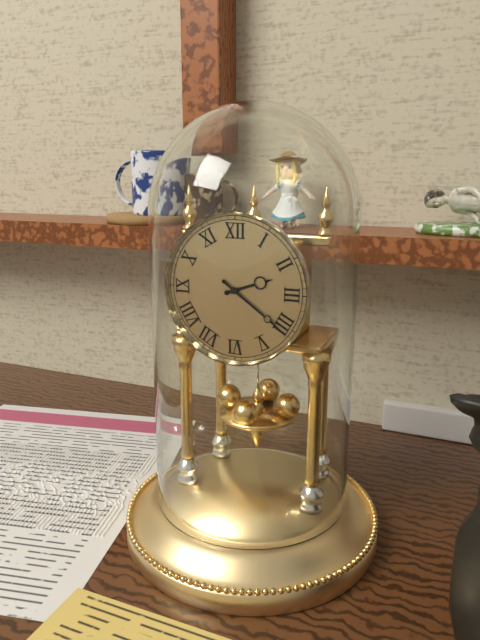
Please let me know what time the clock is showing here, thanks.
2:21
